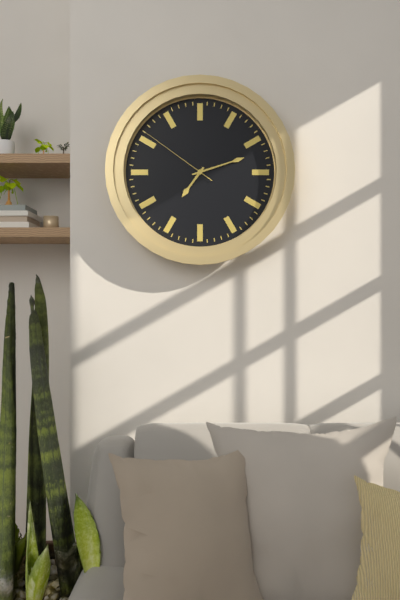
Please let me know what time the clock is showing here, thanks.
7:12:51
